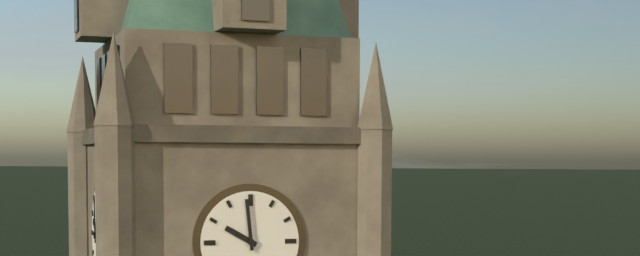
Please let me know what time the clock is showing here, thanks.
9:59
